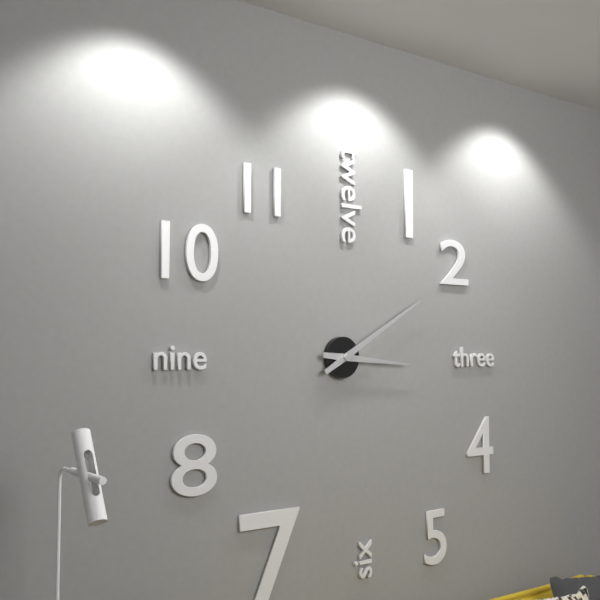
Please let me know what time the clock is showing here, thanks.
3:10
